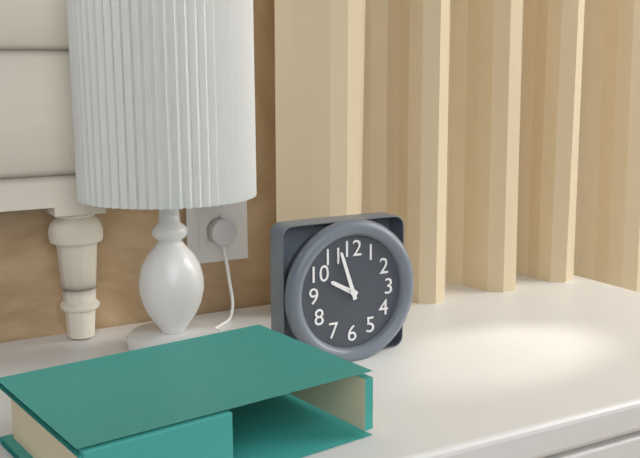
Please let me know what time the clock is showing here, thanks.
9:57
